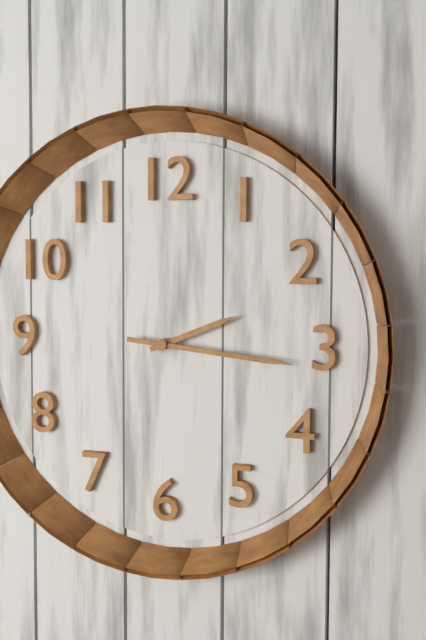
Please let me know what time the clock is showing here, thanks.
2:16
